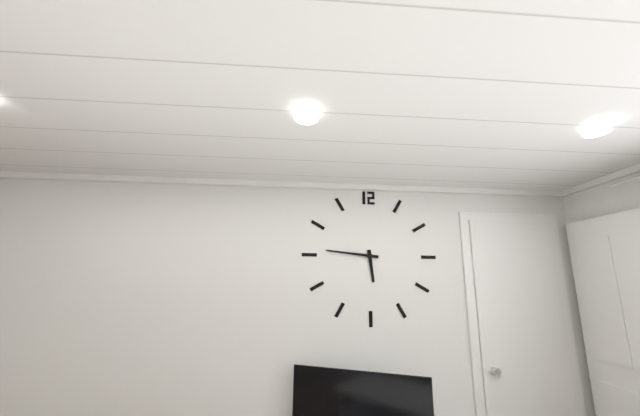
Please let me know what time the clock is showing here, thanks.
5:46
